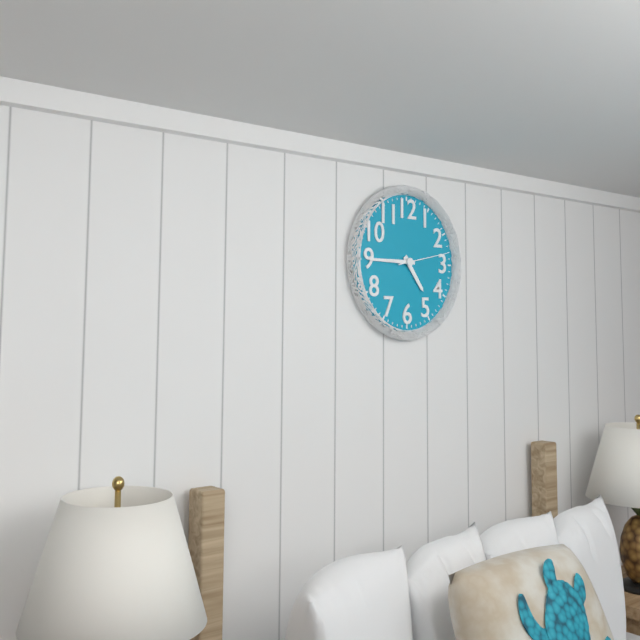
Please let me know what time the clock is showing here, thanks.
4:45:13
